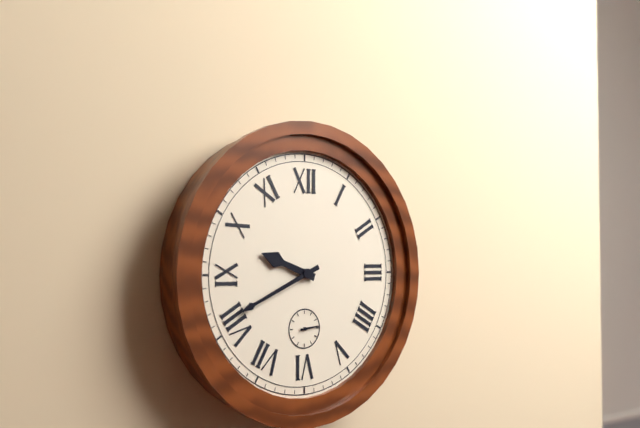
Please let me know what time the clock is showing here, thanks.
9:41
